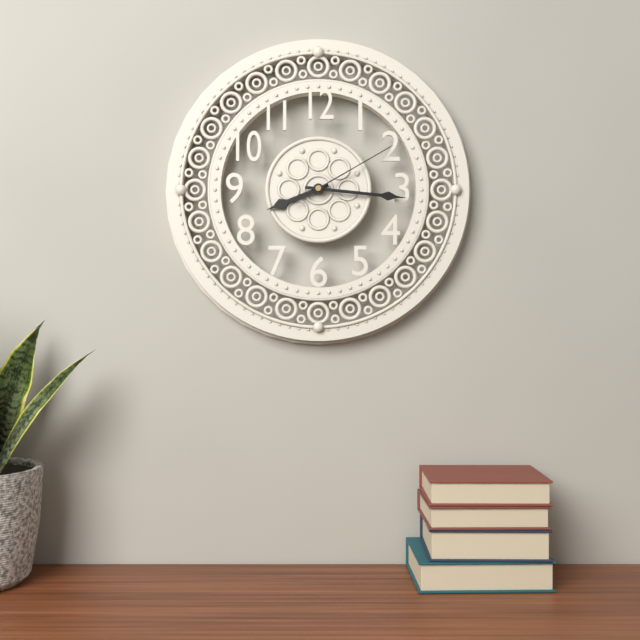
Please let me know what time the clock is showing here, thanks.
8:16:10
